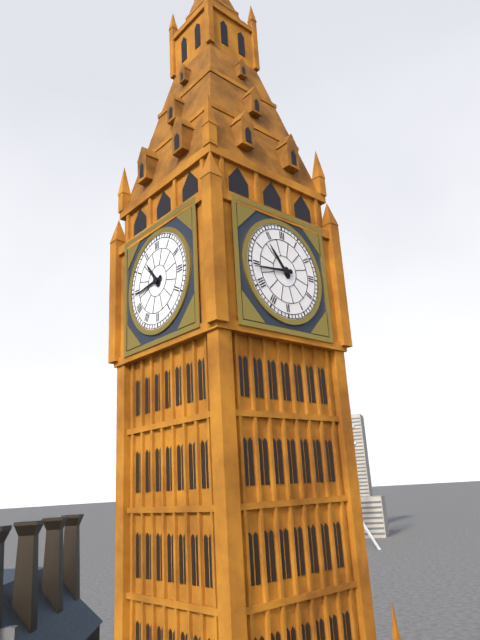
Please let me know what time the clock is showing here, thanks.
10:44
